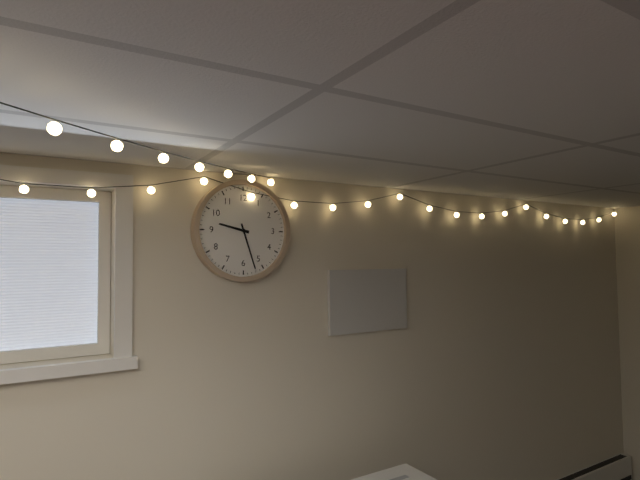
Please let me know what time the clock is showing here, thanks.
9:27
